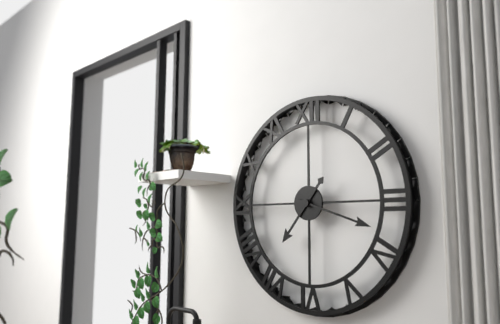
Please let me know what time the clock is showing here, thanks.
7:18
